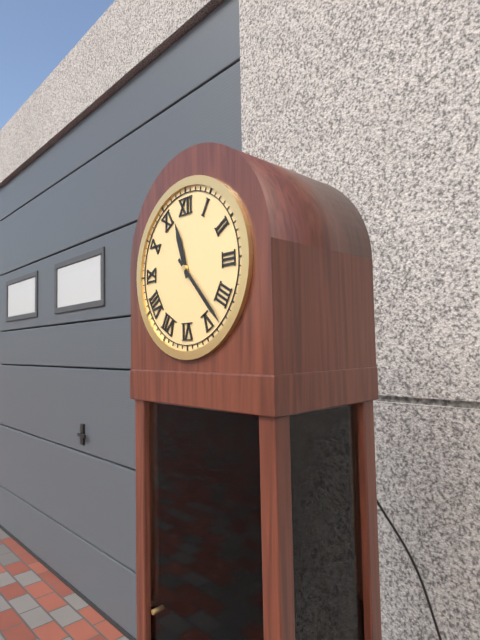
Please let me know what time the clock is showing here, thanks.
11:23
